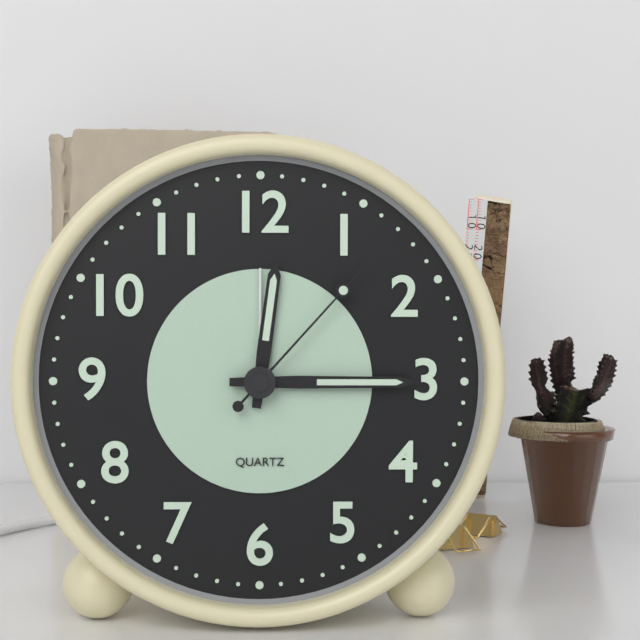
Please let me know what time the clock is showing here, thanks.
12:15:07
